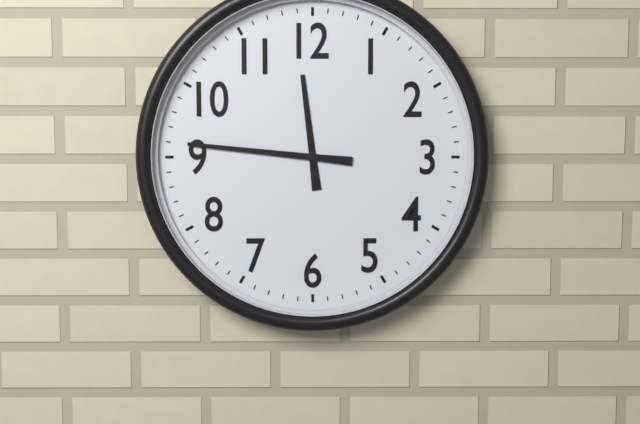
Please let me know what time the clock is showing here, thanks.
11:46
